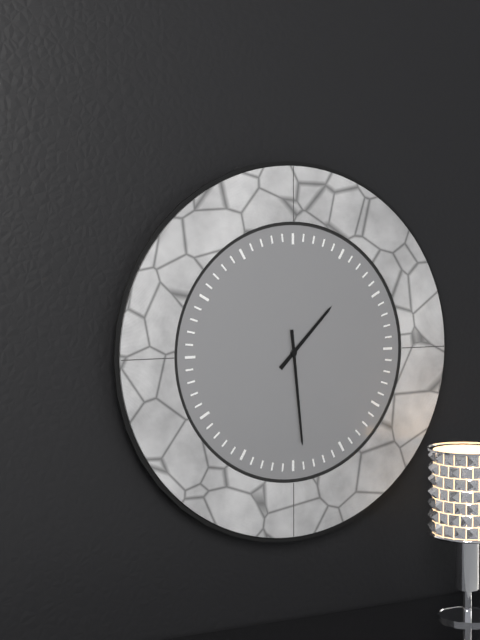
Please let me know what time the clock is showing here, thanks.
1:29
